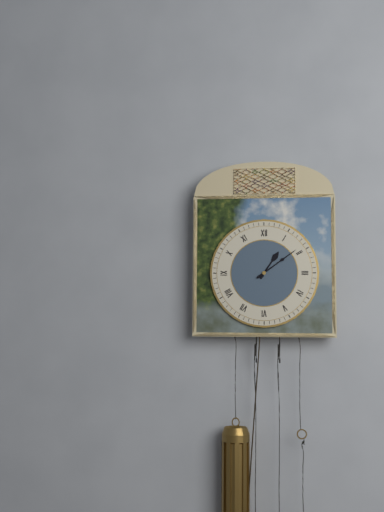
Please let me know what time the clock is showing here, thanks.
1:09
